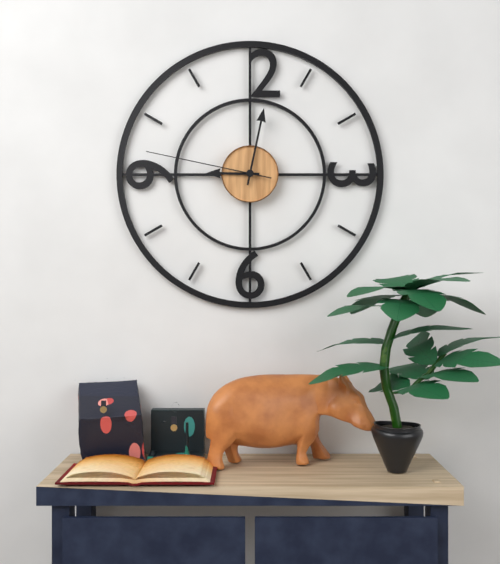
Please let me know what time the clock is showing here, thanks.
9:02:47
